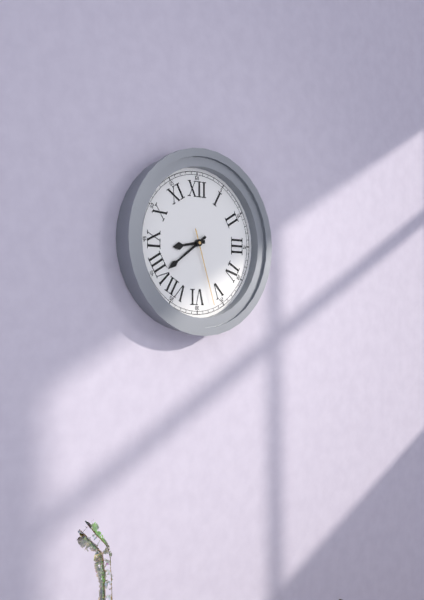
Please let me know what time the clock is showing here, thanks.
8:39:27
